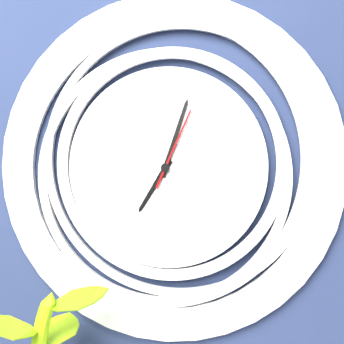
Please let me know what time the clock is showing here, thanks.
7:03:04
